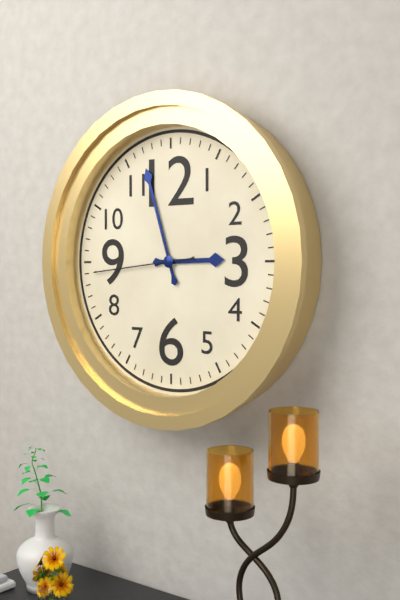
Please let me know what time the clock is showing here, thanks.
2:57:44
